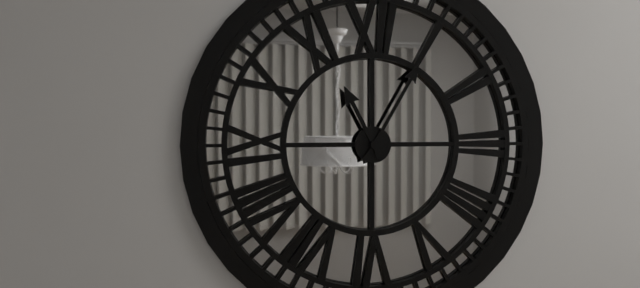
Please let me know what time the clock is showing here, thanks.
11:05
